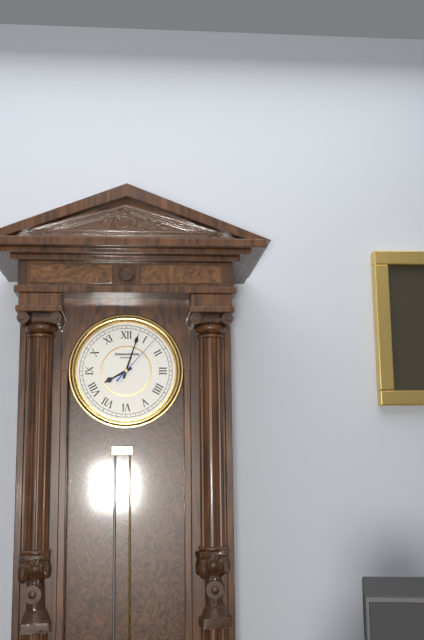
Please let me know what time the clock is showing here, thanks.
8:03:07
